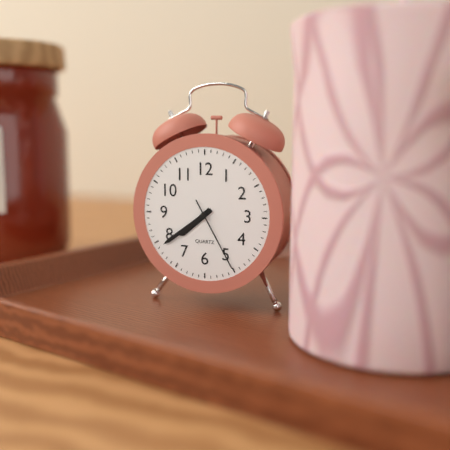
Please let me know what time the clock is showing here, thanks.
7:39:25
